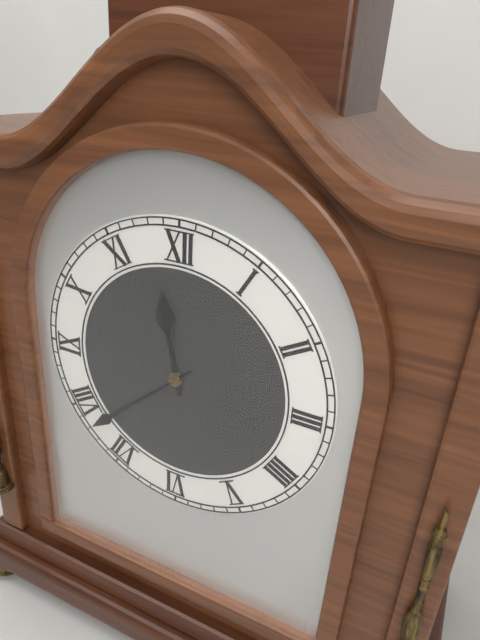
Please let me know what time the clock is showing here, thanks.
11:38
